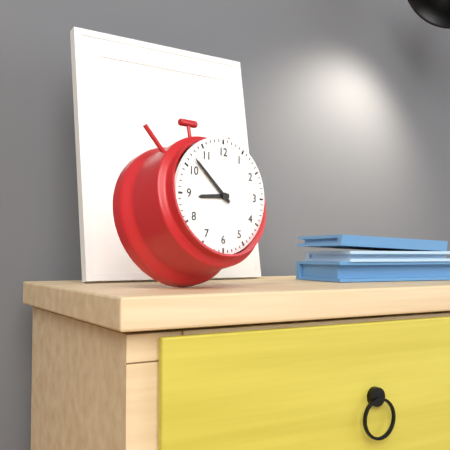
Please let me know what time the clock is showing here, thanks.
8:52
